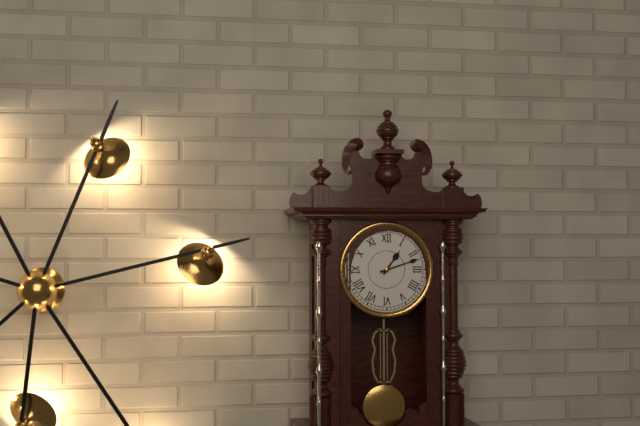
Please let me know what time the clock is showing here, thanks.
1:12
